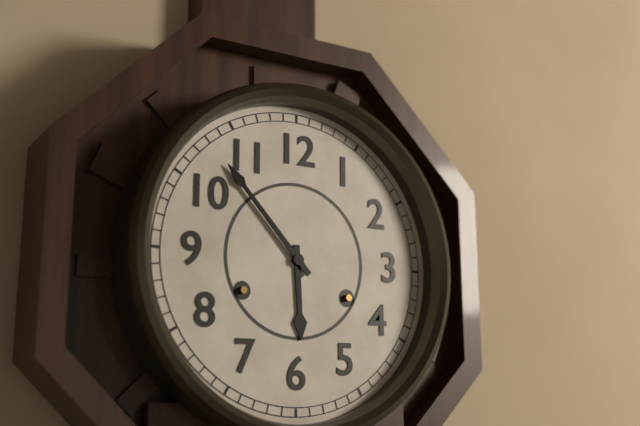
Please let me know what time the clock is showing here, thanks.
5:53
